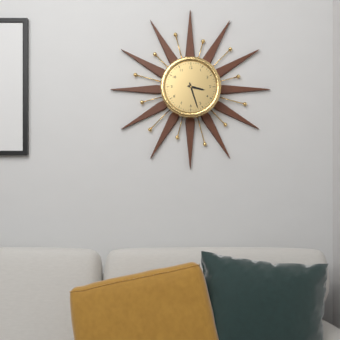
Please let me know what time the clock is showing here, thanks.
3:27
